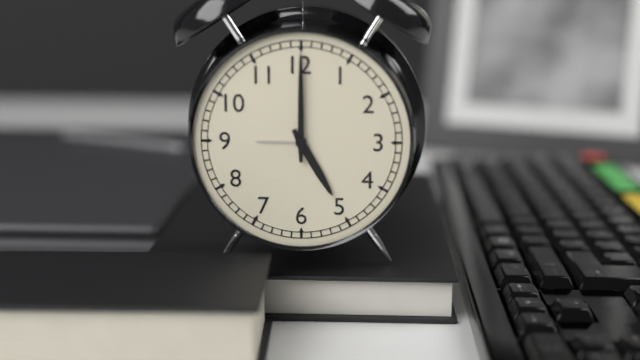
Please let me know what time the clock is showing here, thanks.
5:00
